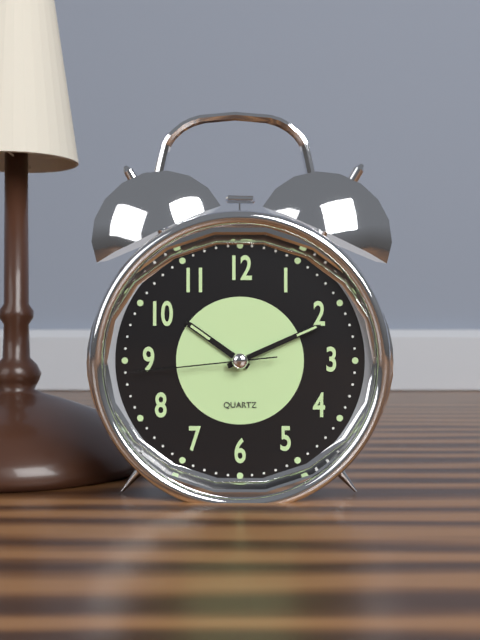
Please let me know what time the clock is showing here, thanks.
10:11:44
